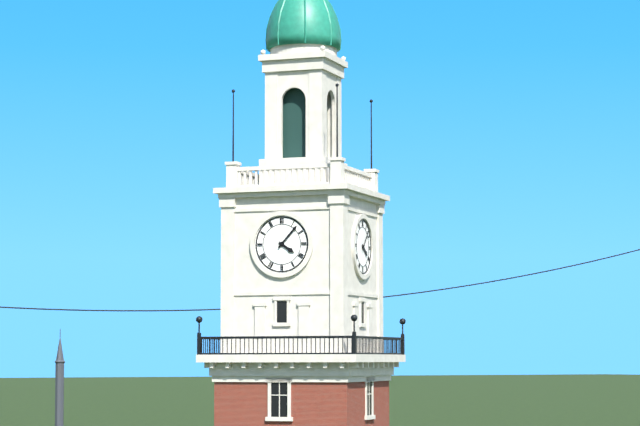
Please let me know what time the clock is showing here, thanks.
4:07
